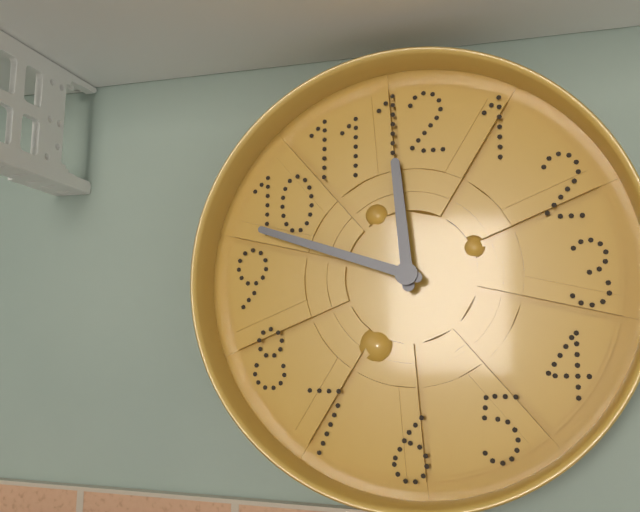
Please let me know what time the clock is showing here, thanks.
11:48
